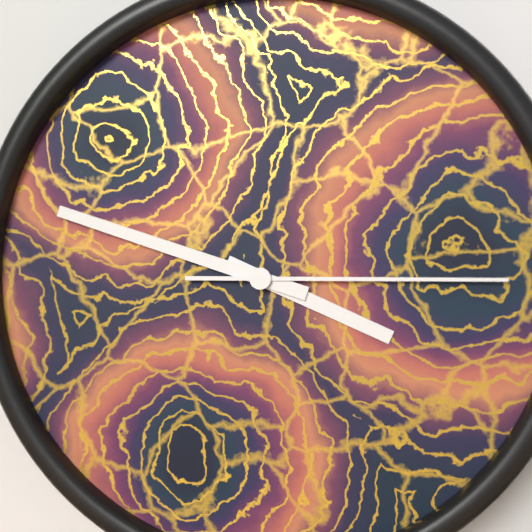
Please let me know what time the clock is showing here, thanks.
3:48:15
